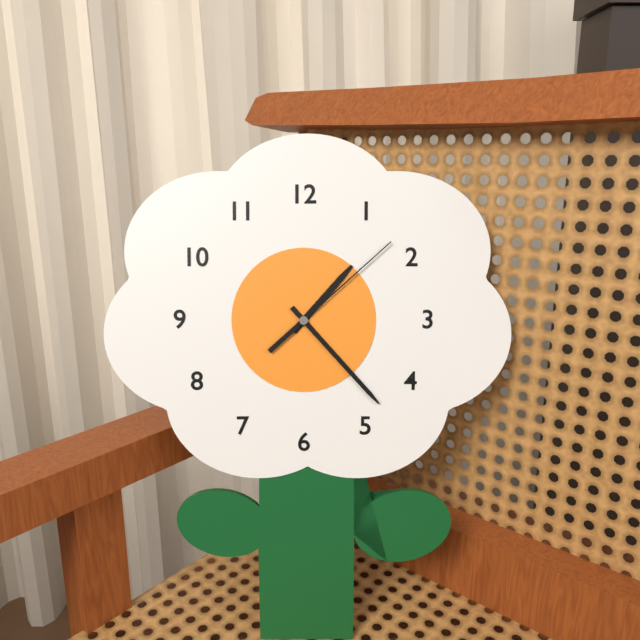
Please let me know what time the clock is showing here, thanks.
1:23:08
